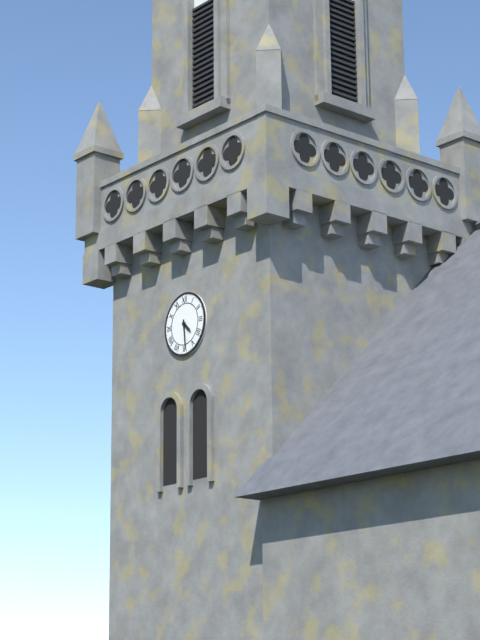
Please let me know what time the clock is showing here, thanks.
4:29
